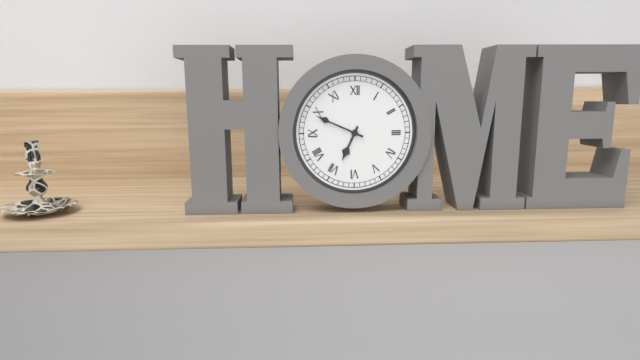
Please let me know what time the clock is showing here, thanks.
6:49
